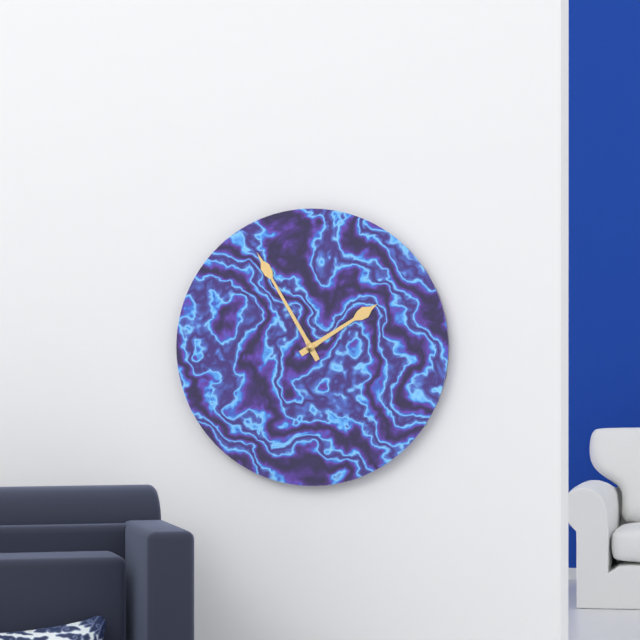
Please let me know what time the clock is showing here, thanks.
1:55
